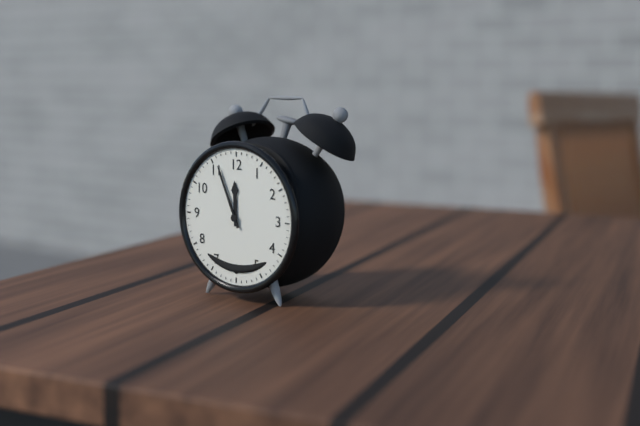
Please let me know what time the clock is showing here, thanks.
11:56
